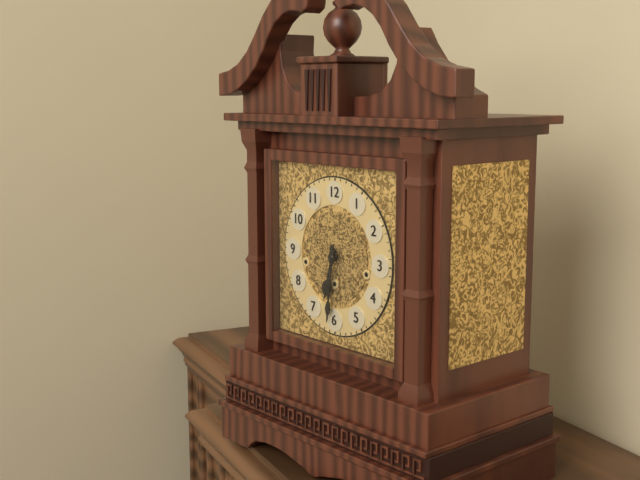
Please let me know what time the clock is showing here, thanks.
6:31
